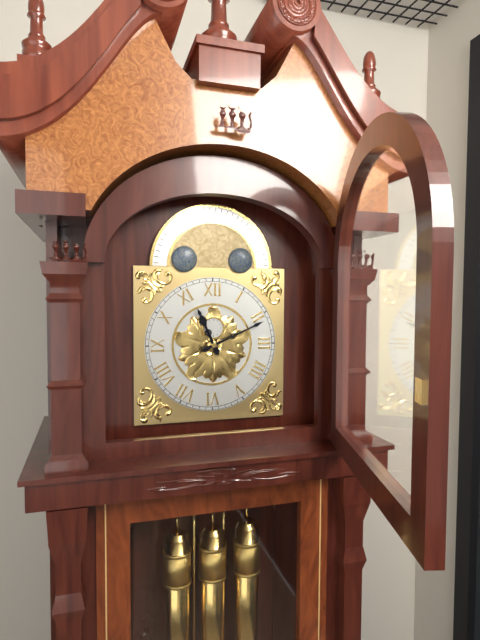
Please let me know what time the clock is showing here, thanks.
11:11
